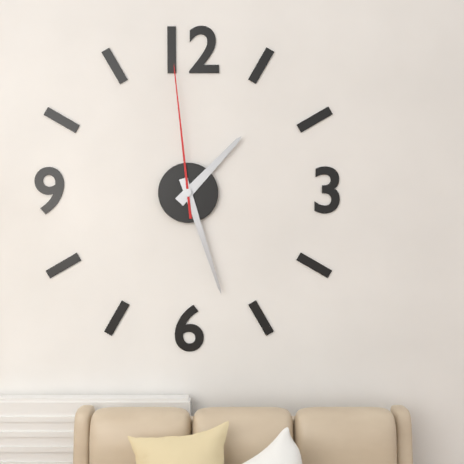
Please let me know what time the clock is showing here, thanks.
1:27:59
